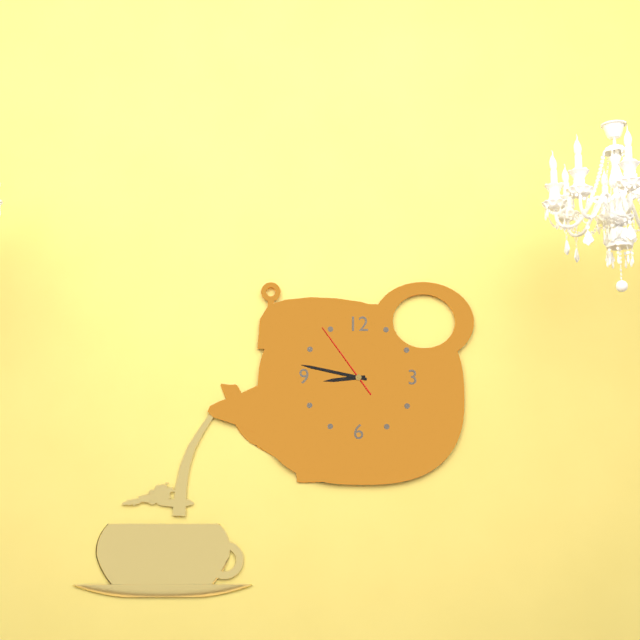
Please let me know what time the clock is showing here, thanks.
8:47:54
